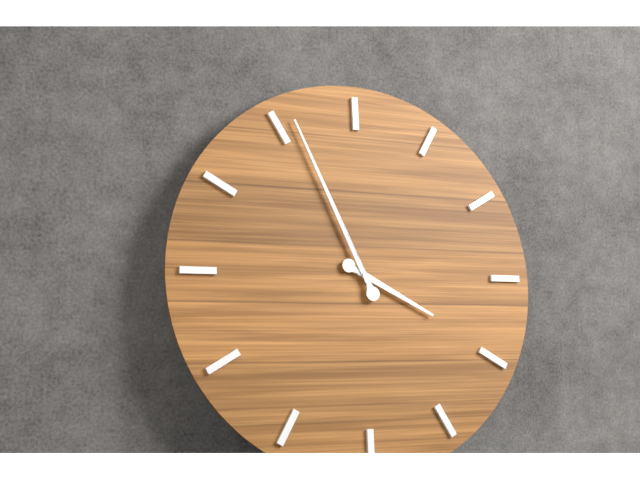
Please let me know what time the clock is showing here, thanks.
3:56
